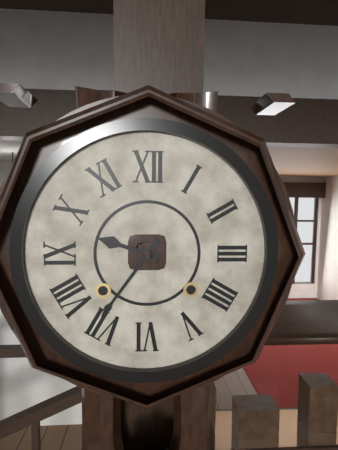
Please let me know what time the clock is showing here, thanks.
9:36
